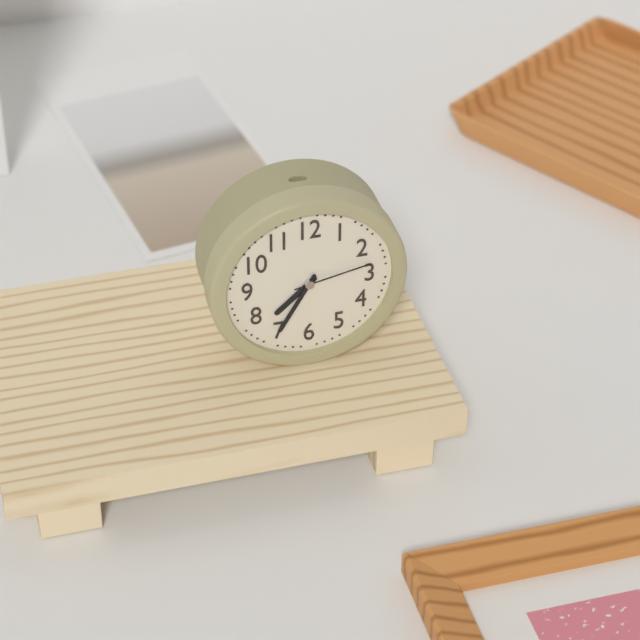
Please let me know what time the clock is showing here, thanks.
7:35:13
